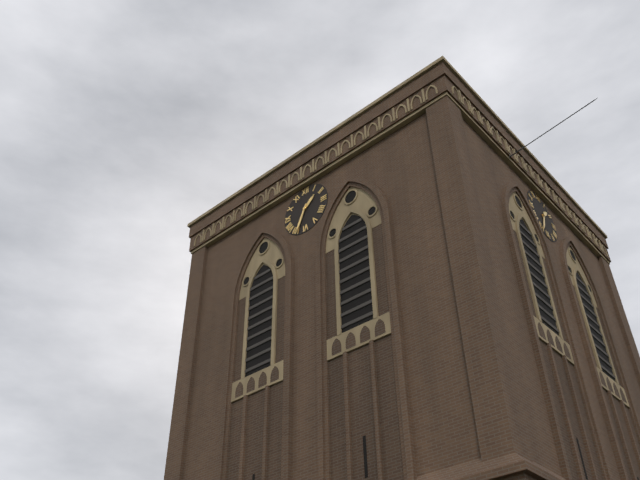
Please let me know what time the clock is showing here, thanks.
1:34
